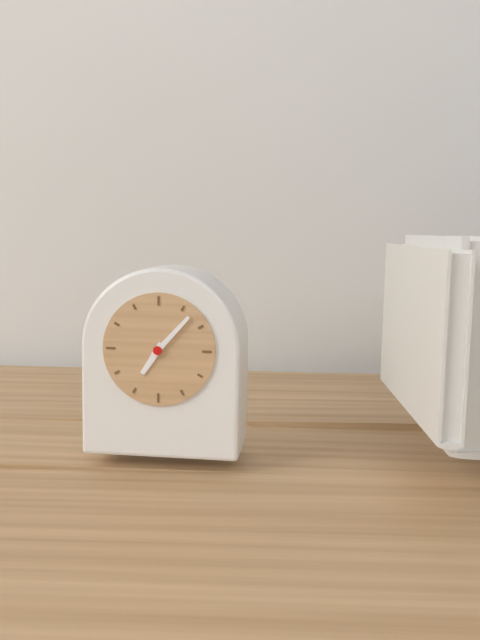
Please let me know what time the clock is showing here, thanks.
7:07
